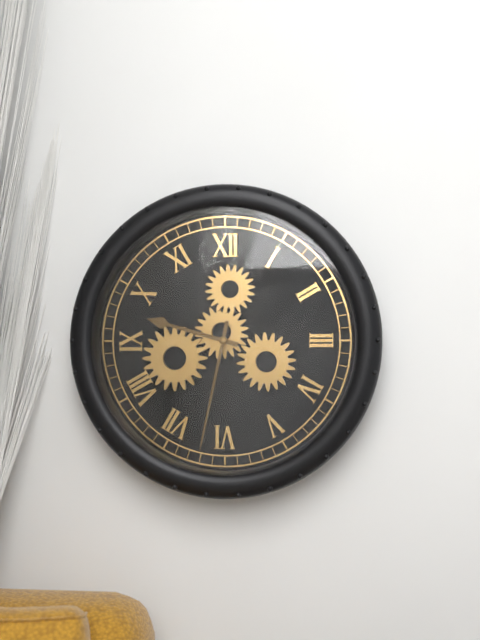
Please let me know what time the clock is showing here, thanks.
9:32
